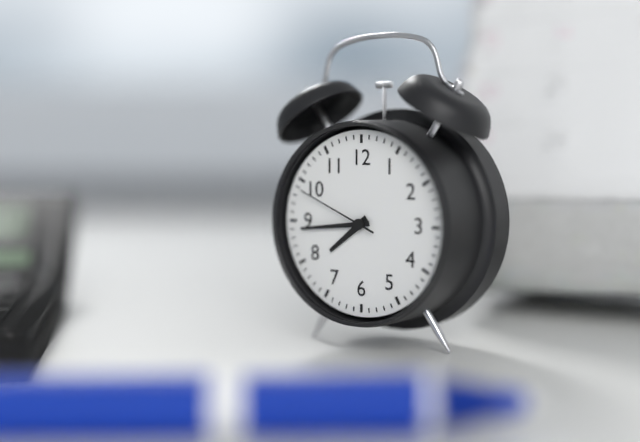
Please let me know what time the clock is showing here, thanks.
7:44:49
